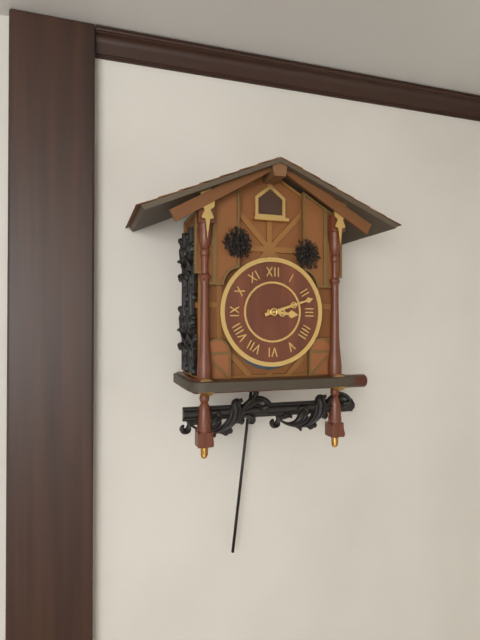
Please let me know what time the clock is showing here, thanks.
3:12
